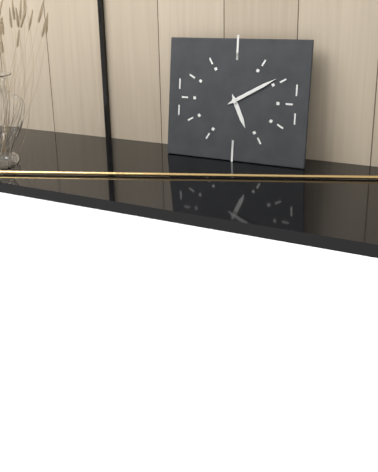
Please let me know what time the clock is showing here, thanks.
5:10
